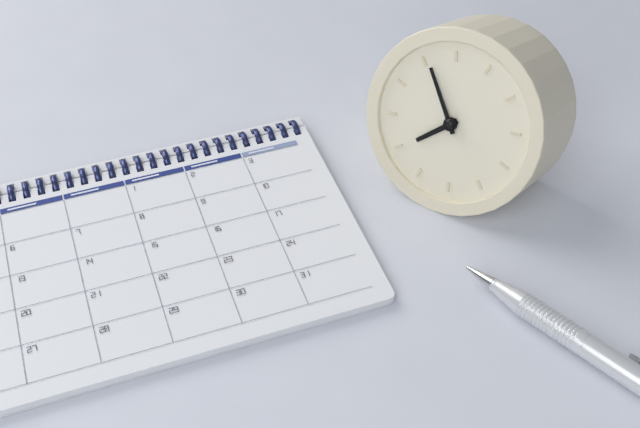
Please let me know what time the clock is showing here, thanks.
7:56
